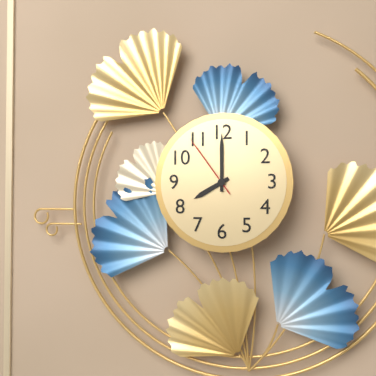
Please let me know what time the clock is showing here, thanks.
8:00:54
